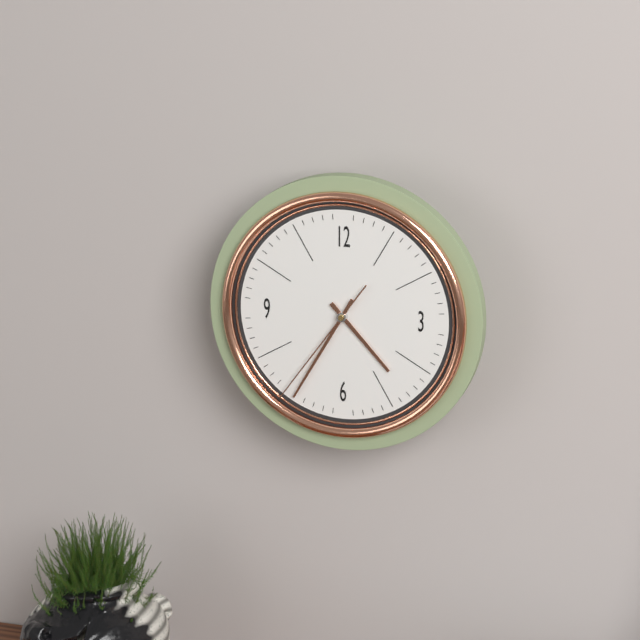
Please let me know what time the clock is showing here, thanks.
4:35:36
